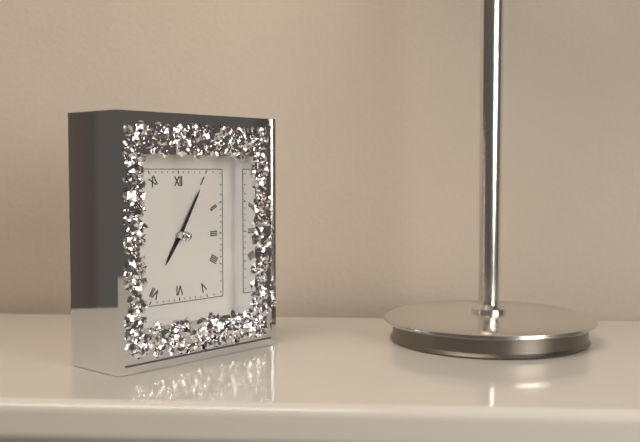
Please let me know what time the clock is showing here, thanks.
7:05
